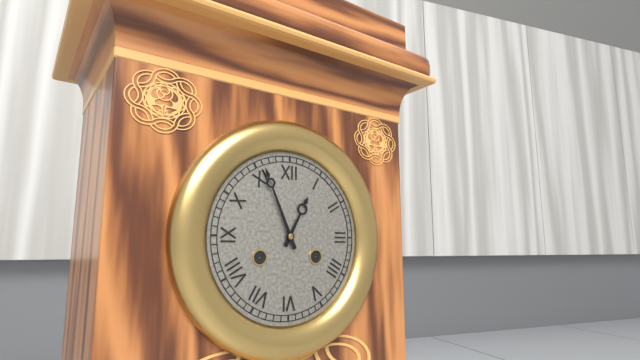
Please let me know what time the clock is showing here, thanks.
12:56
